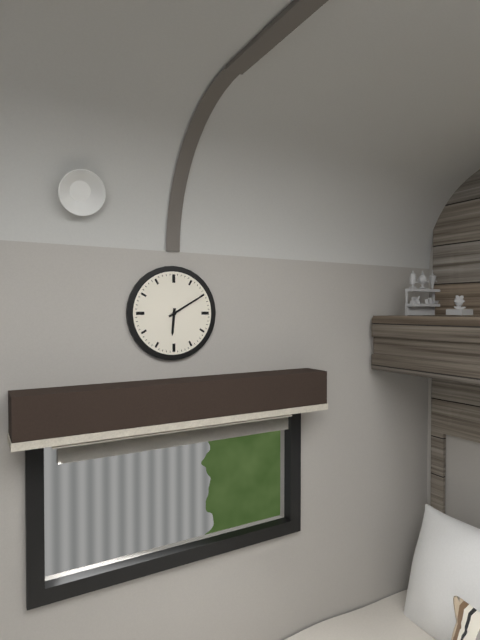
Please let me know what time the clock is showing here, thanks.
6:10
